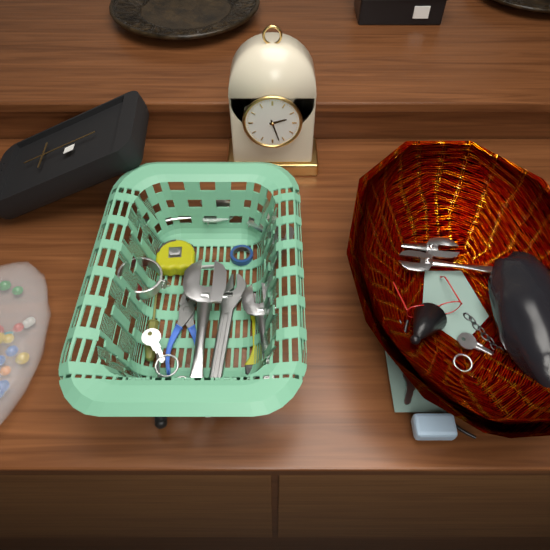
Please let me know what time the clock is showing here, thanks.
2:27
